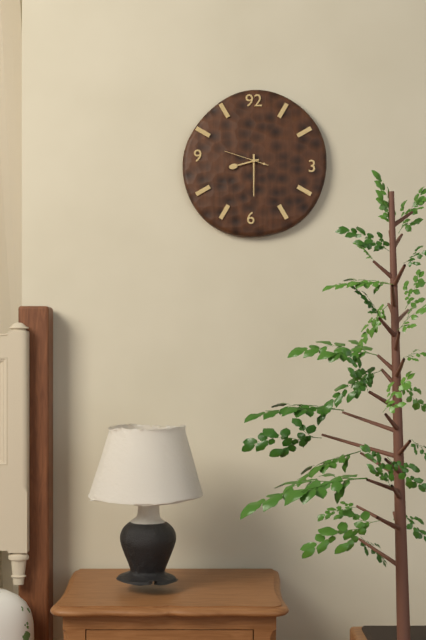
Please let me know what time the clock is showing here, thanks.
8:30
